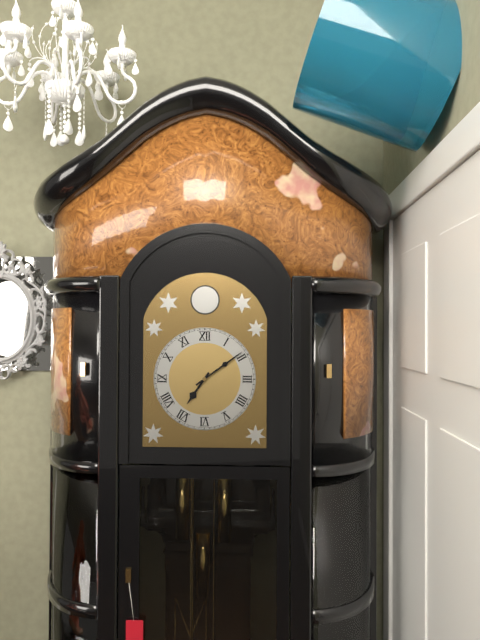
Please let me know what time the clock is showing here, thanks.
7:09
